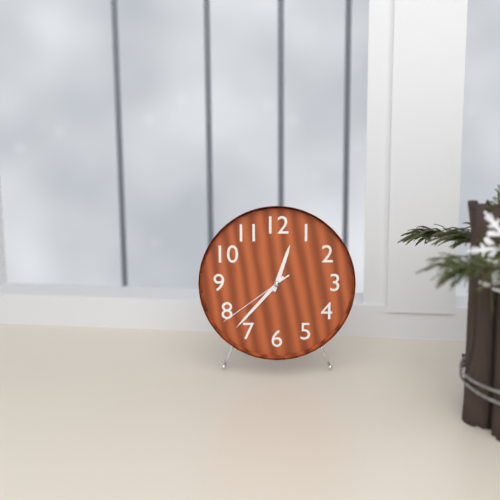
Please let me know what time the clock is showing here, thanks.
12:37:39
